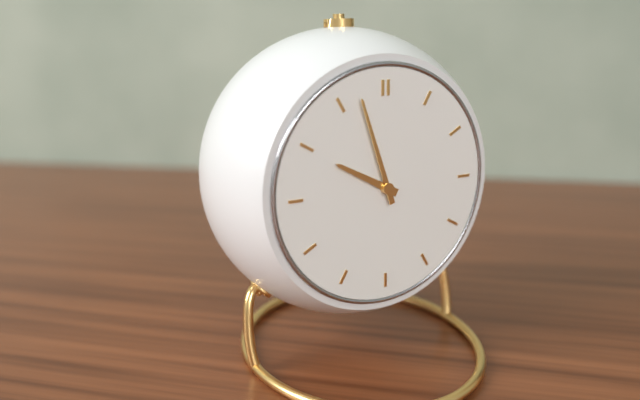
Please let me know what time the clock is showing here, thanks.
9:57
